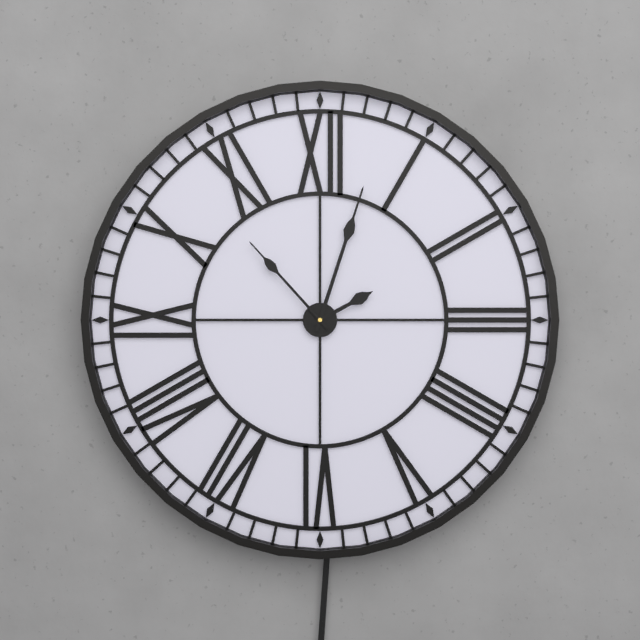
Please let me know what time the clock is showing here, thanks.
2:03:53
